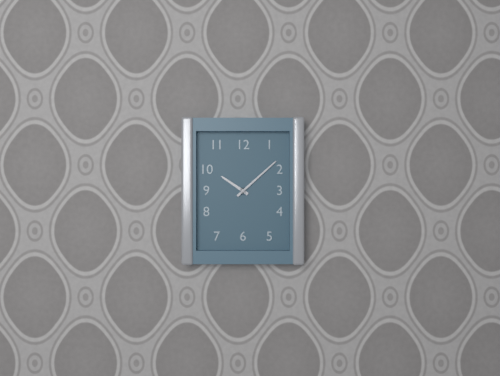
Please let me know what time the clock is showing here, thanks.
10:08
